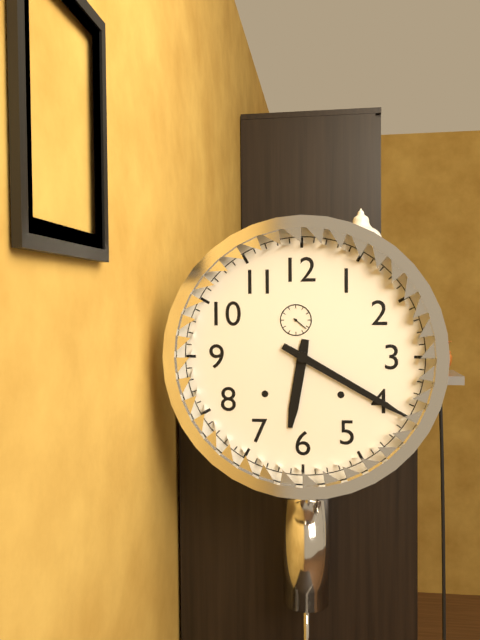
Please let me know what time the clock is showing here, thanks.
6:20
